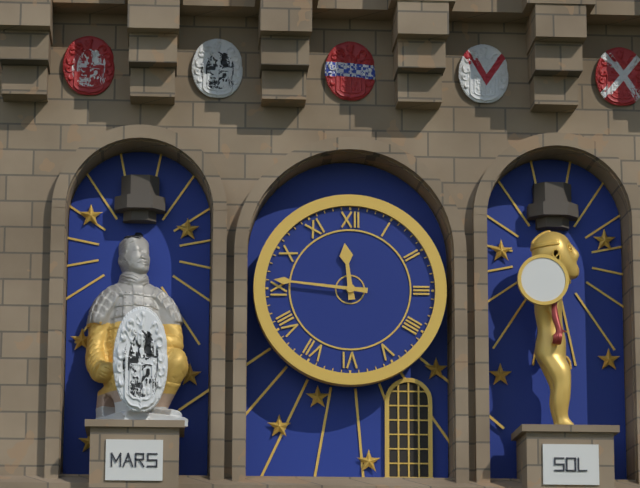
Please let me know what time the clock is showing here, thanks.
11:46
